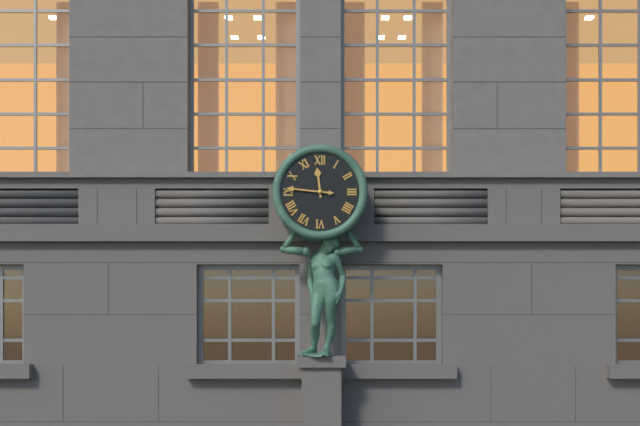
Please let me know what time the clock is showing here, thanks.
11:46
